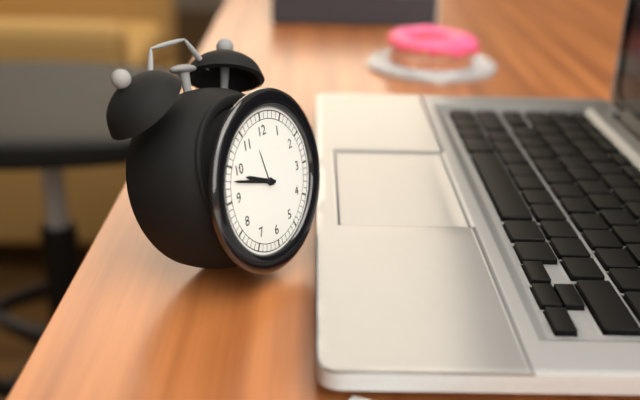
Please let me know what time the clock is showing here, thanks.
9:48
